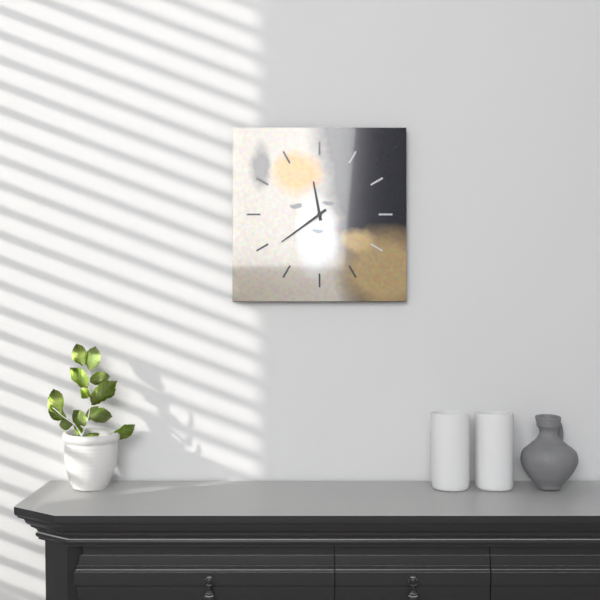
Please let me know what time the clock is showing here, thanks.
11:39
